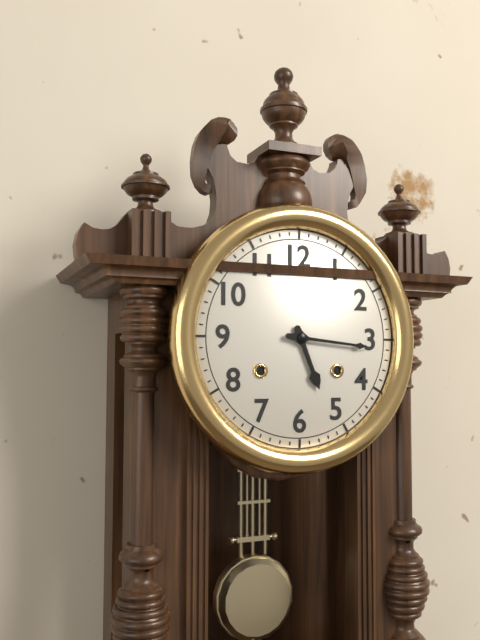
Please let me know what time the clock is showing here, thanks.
5:16
